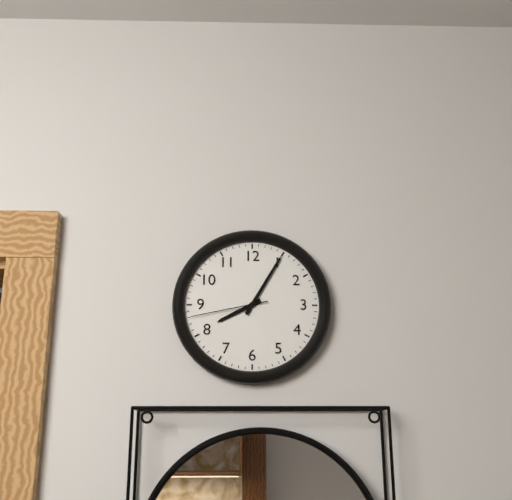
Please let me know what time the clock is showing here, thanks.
8:05:43
